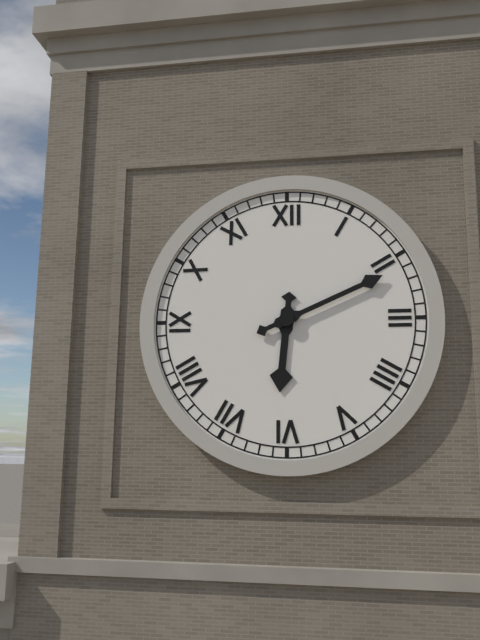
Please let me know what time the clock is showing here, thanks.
6:11
